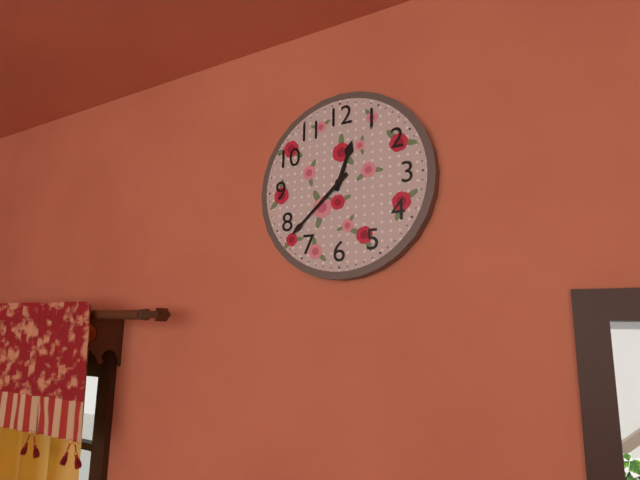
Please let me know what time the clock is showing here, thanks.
12:38
